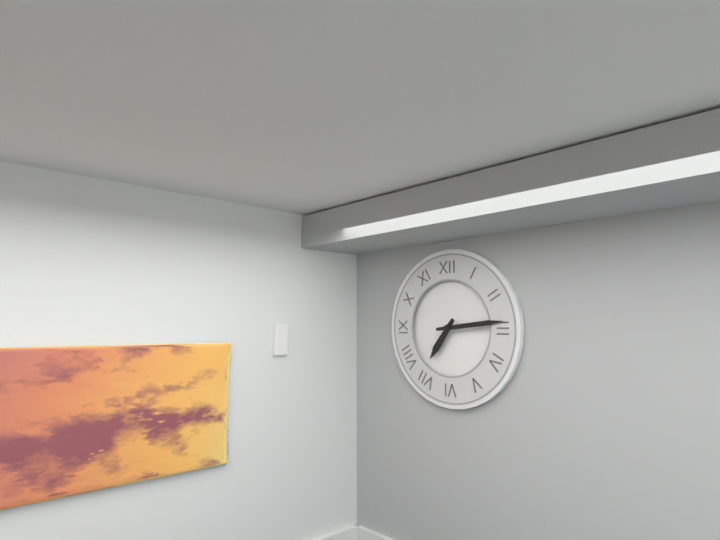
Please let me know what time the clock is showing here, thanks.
7:14
